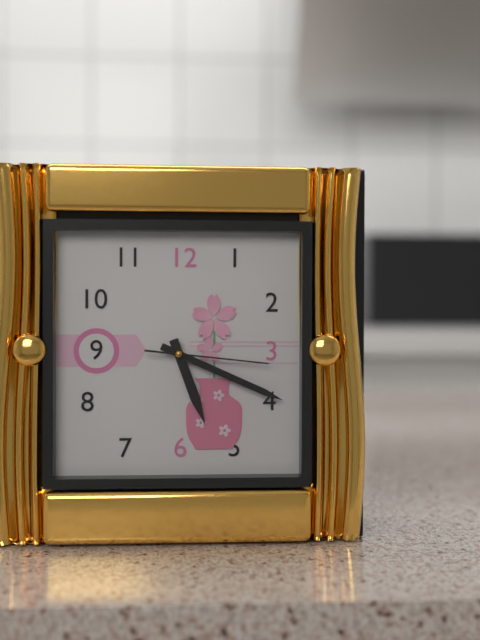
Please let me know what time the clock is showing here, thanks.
5:19:16
